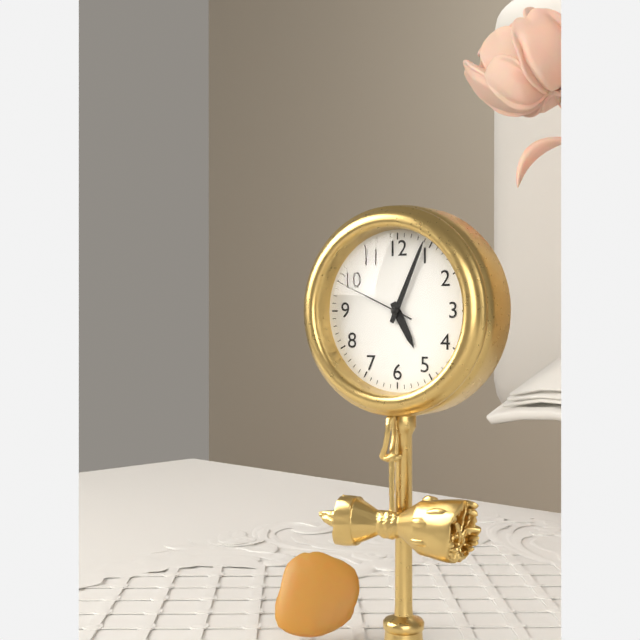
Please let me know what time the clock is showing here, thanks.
5:04:49
